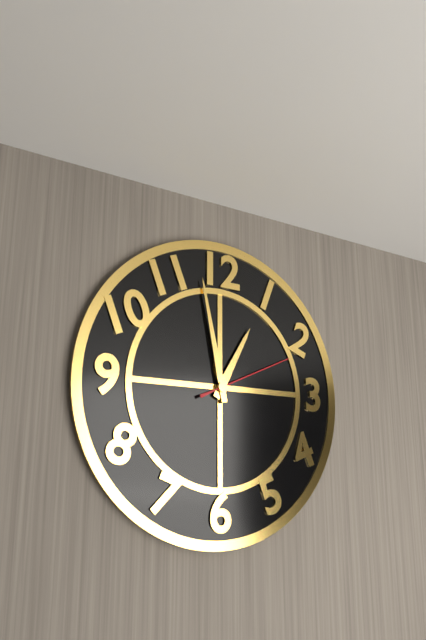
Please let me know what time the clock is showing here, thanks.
12:58:11
